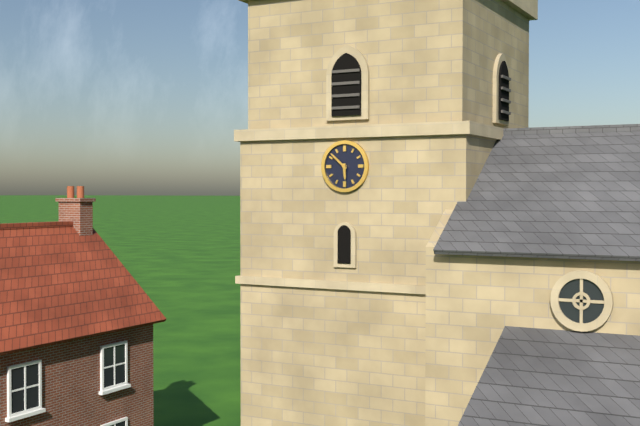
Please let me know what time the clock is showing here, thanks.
5:52
